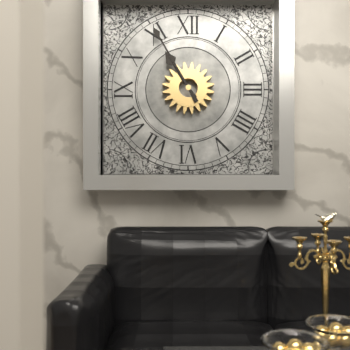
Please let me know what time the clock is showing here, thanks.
10:55
